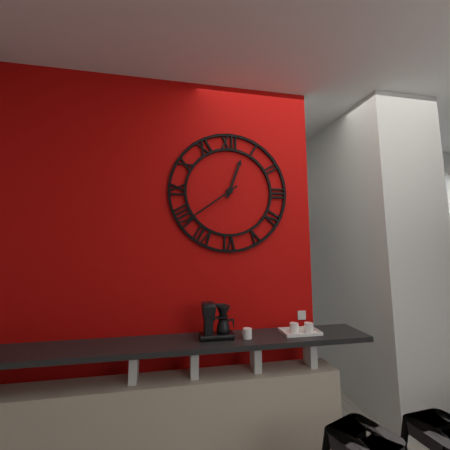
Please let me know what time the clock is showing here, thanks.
12:39
